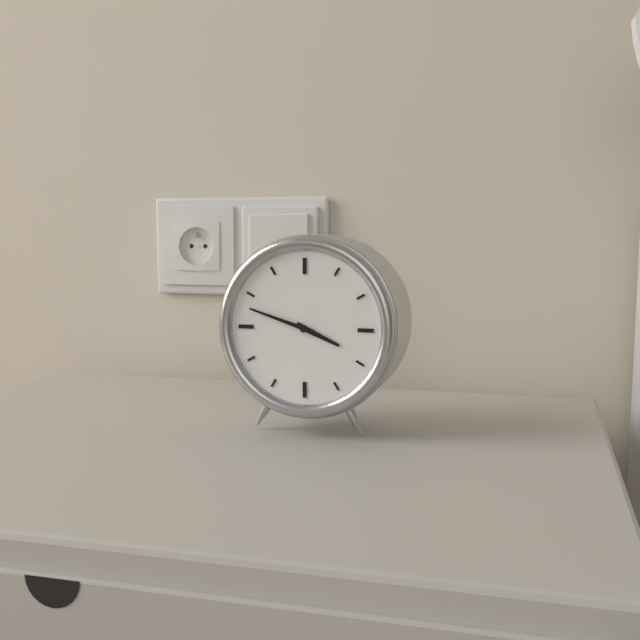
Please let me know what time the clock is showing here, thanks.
3:48
